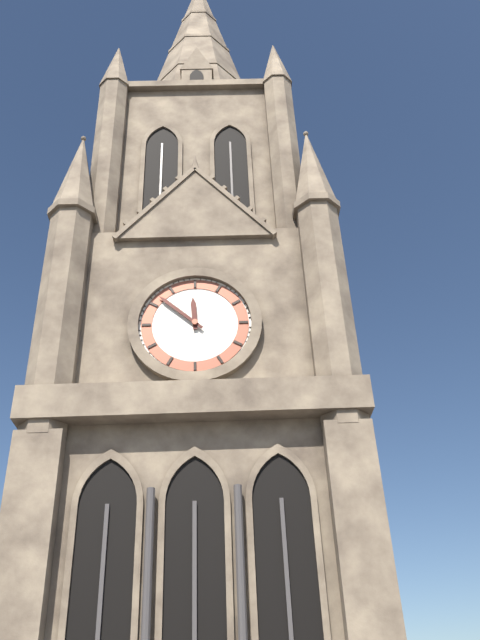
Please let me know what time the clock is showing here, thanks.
11:52
